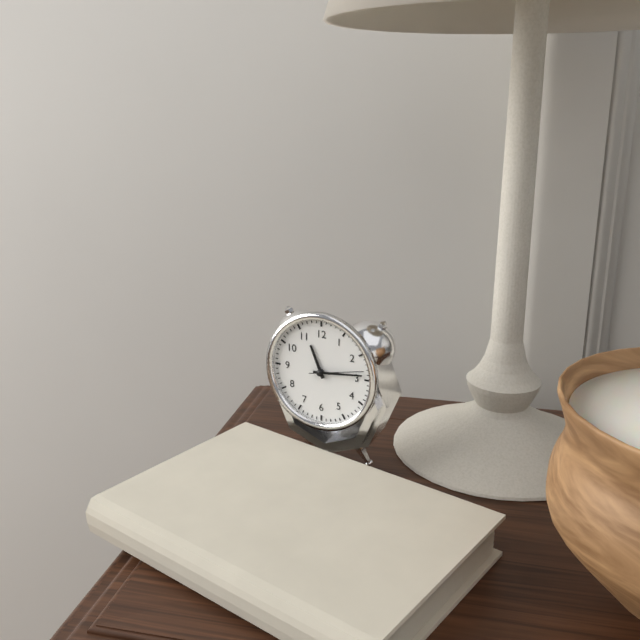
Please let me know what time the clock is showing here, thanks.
11:14:13
